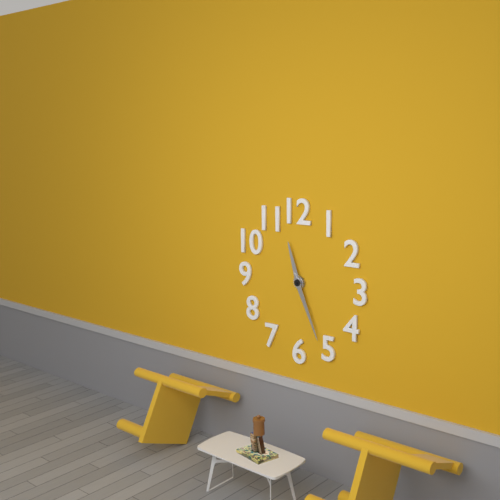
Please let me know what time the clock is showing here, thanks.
11:26
